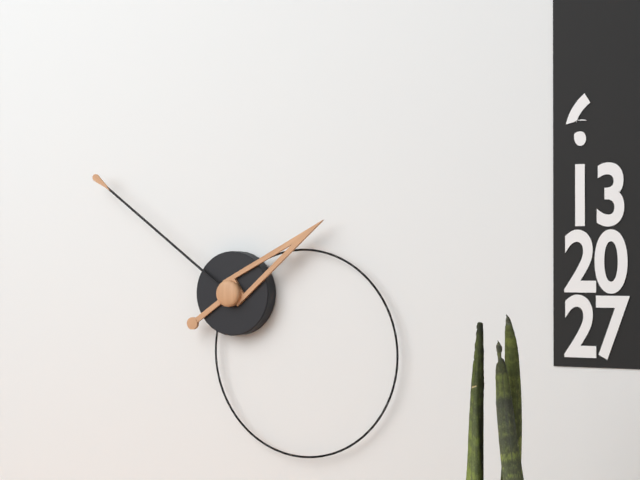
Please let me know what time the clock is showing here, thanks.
1:51
